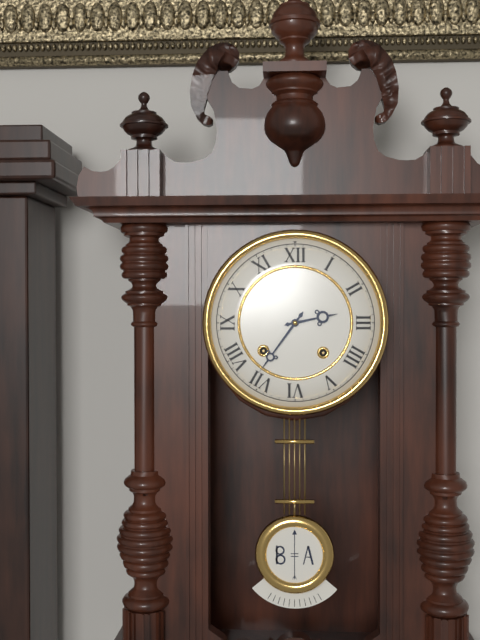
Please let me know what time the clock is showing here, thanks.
2:36
